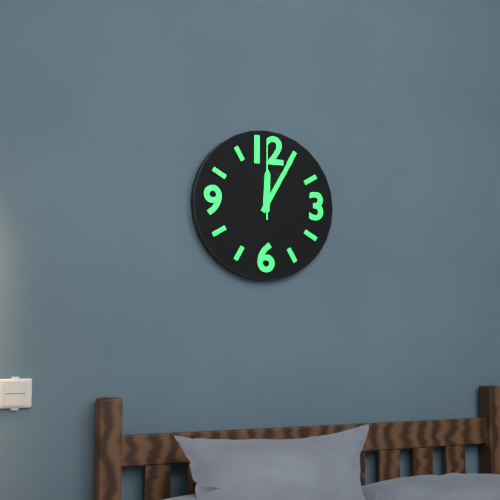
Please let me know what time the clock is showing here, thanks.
12:05:00
